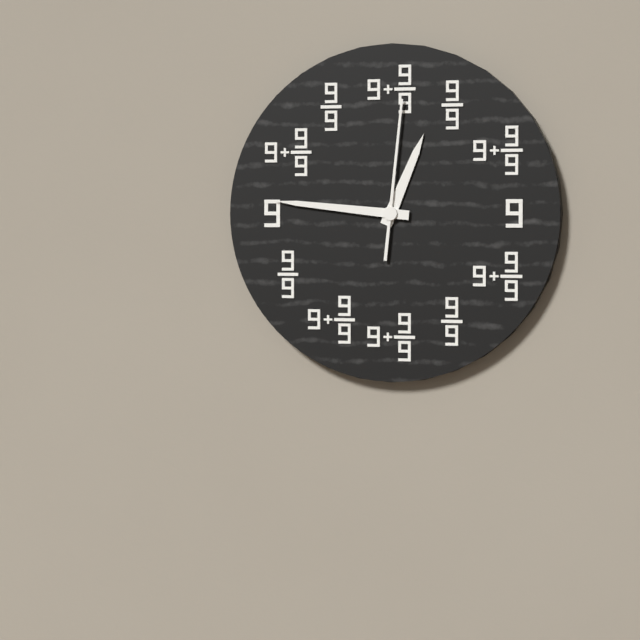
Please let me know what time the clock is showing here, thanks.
12:46:01
